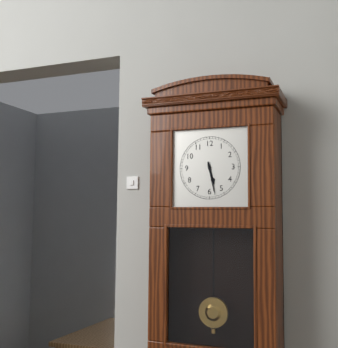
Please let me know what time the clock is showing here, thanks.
5:28
